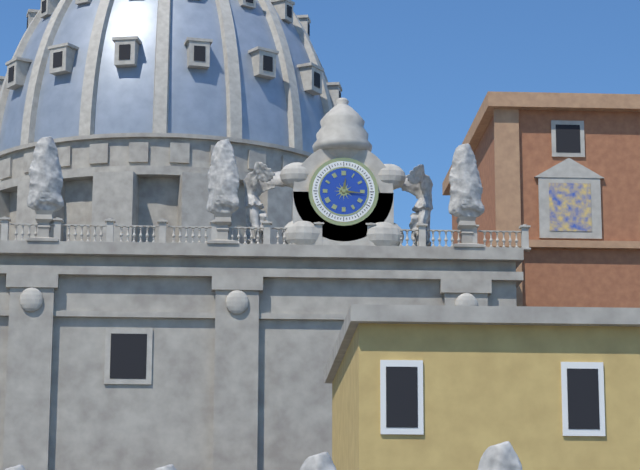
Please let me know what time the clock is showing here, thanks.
12:16
